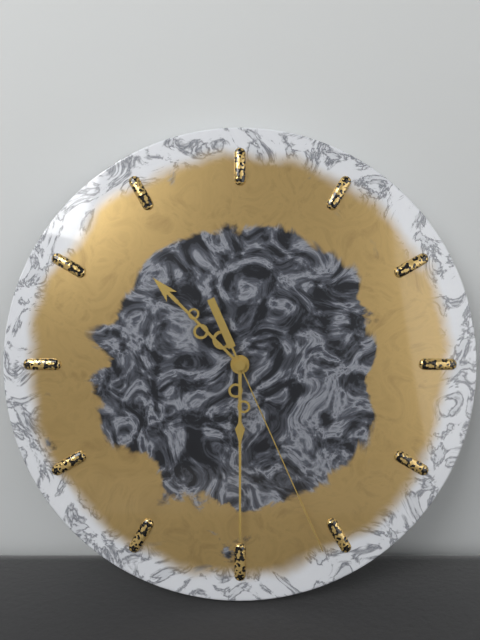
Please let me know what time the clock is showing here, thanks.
10:30:26
